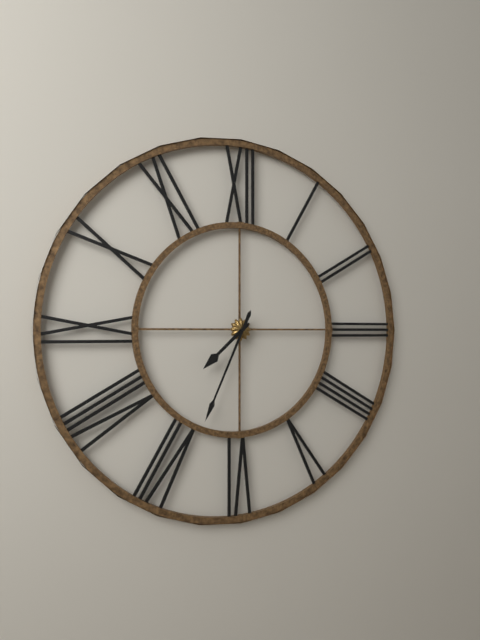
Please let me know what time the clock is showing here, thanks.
7:34
